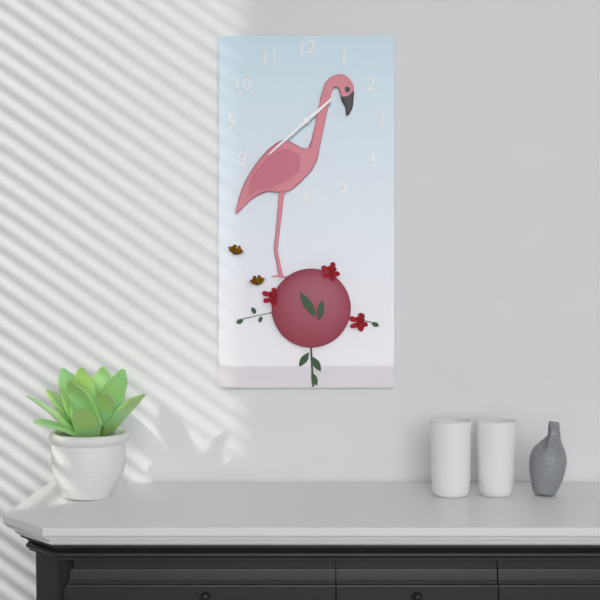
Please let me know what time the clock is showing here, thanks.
1:38
